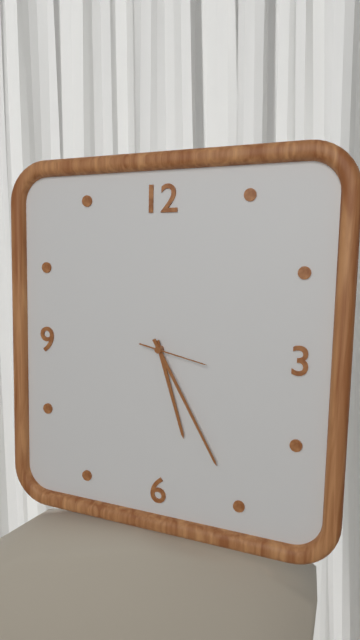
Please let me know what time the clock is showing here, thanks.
5:25:17
